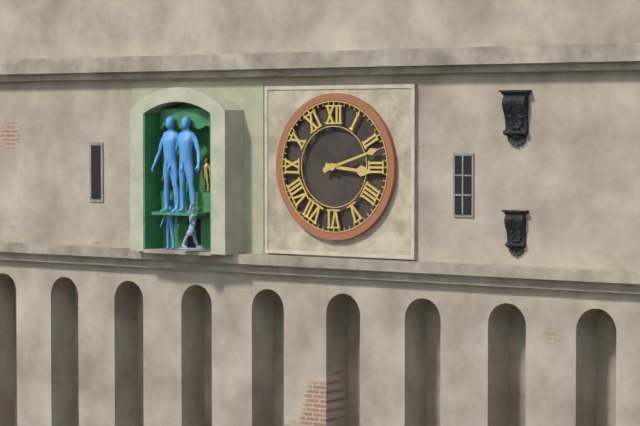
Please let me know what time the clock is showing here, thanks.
3:12
